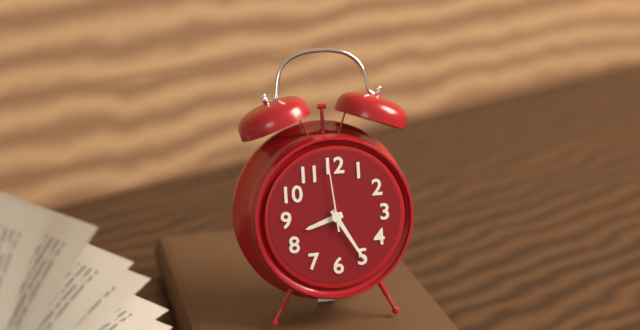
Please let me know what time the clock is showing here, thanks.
8:25:59
